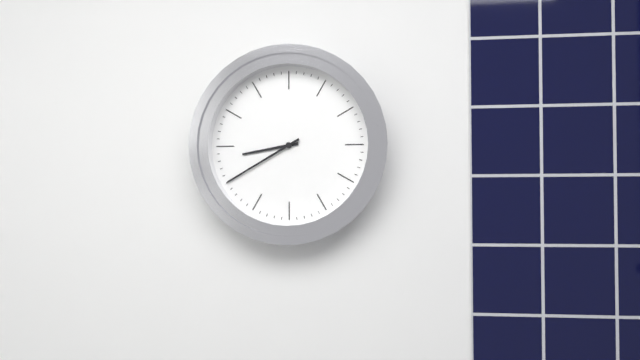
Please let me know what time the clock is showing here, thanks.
8:40
